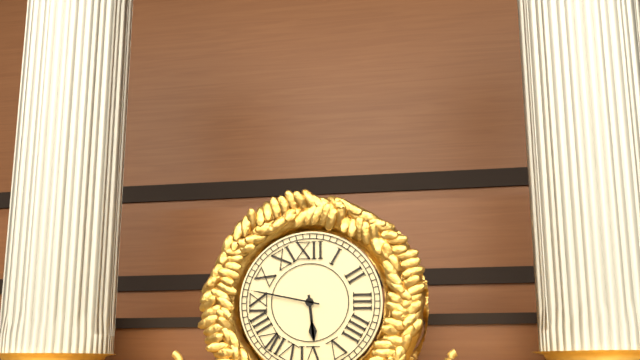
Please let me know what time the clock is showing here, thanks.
5:47
